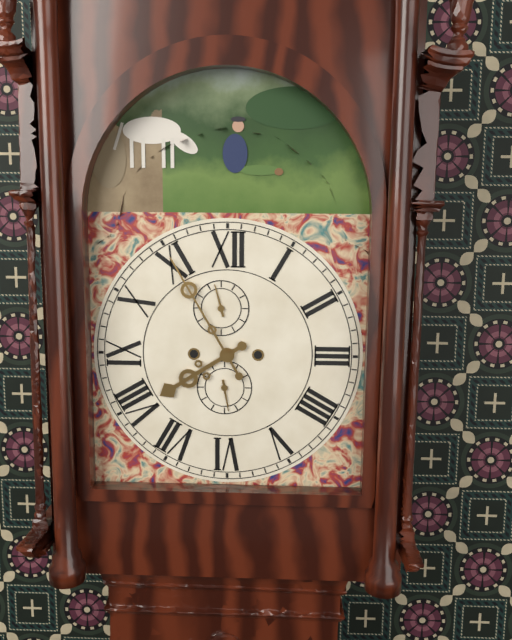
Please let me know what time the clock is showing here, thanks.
7:55
